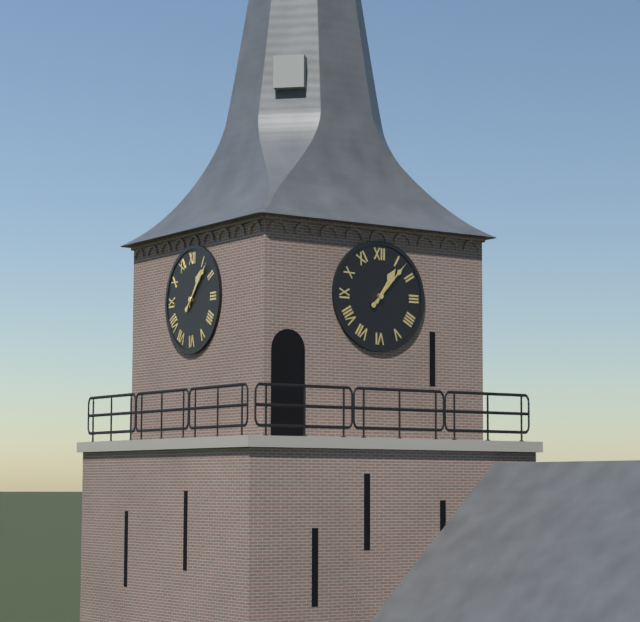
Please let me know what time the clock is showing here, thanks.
1:07
